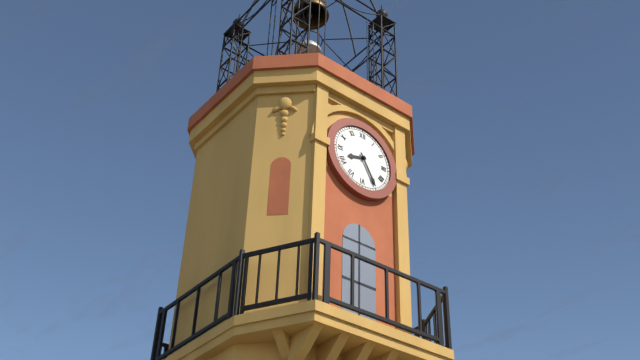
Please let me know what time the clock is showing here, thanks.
8:25
